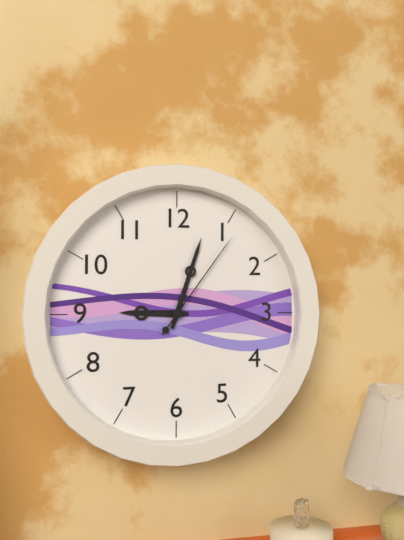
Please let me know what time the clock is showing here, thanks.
9:03:06
